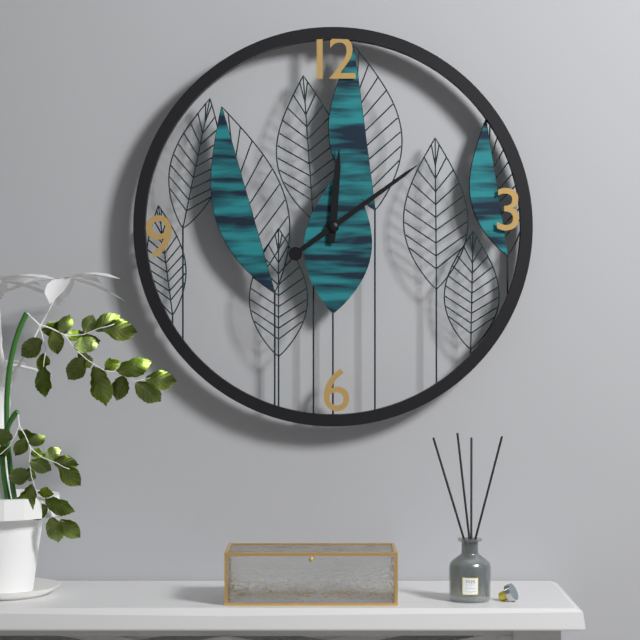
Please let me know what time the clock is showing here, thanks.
12:09
